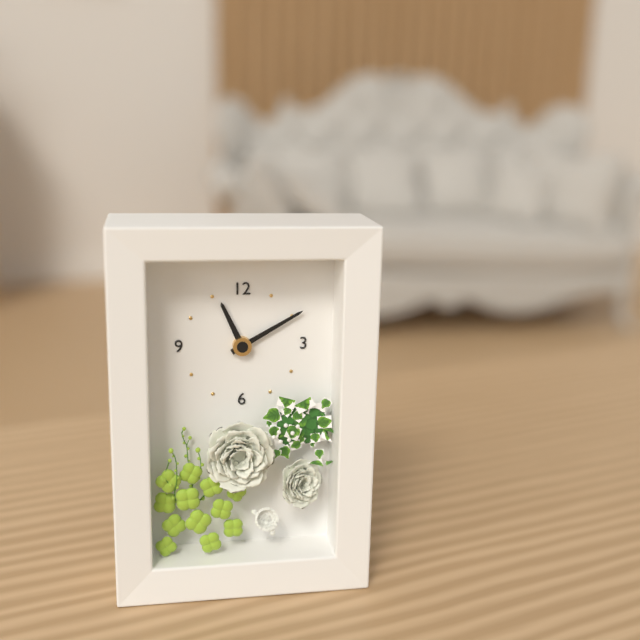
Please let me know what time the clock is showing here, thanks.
11:10
